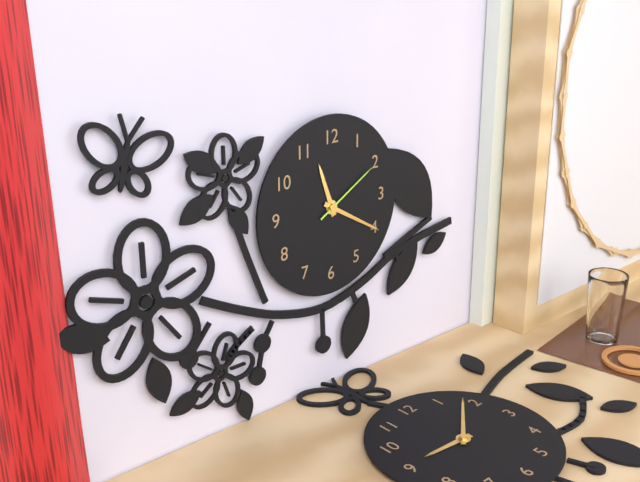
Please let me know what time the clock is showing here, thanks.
11:20:10
